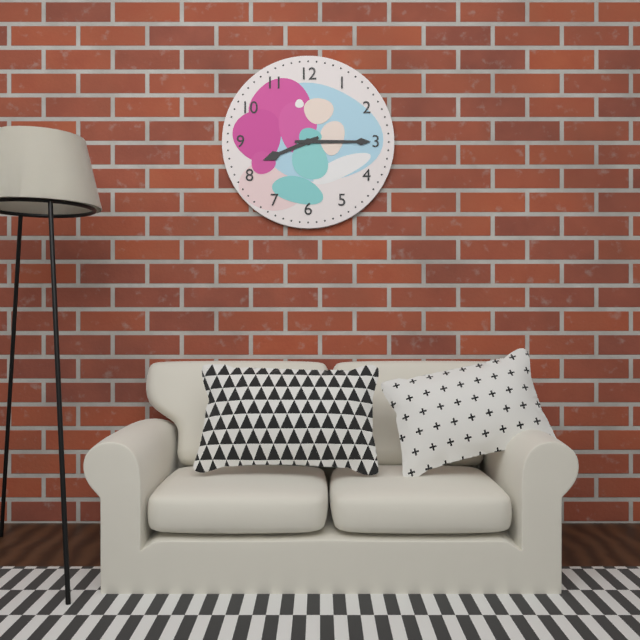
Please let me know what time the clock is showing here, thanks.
8:15
